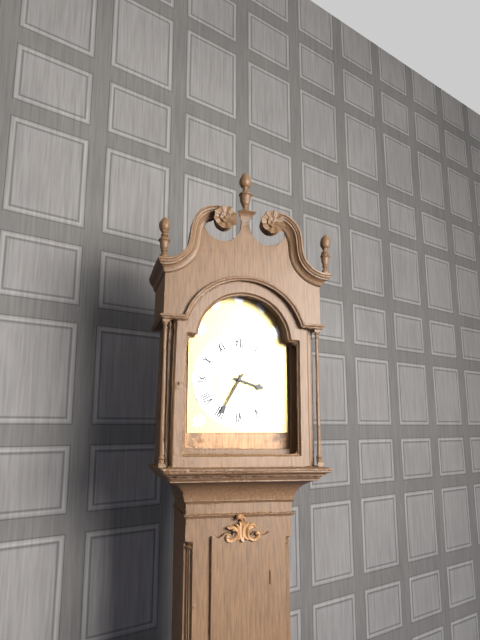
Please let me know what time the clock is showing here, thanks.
3:35
